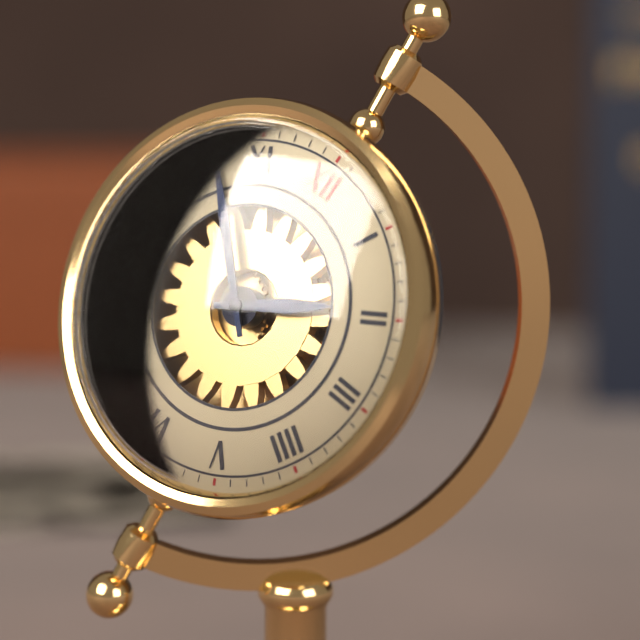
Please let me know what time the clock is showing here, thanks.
1:52
